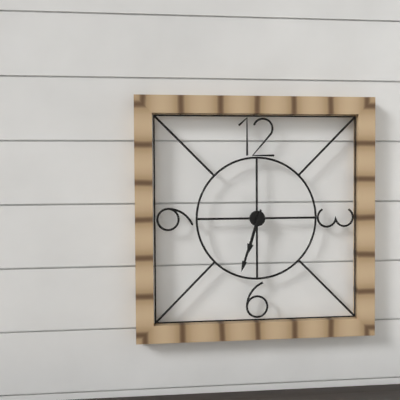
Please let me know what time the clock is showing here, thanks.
6:33
